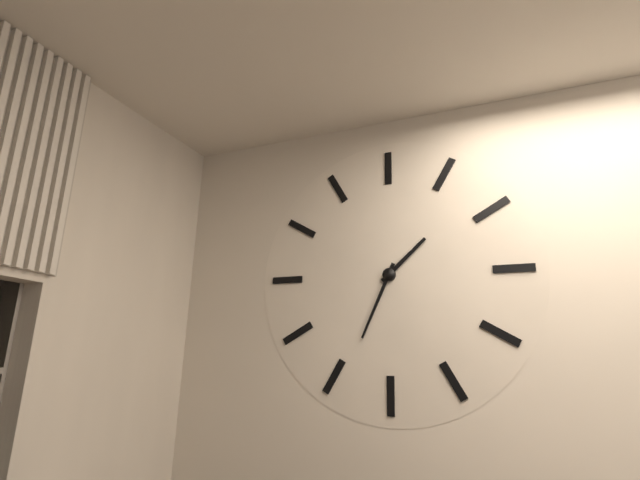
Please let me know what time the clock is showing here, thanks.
1:34
